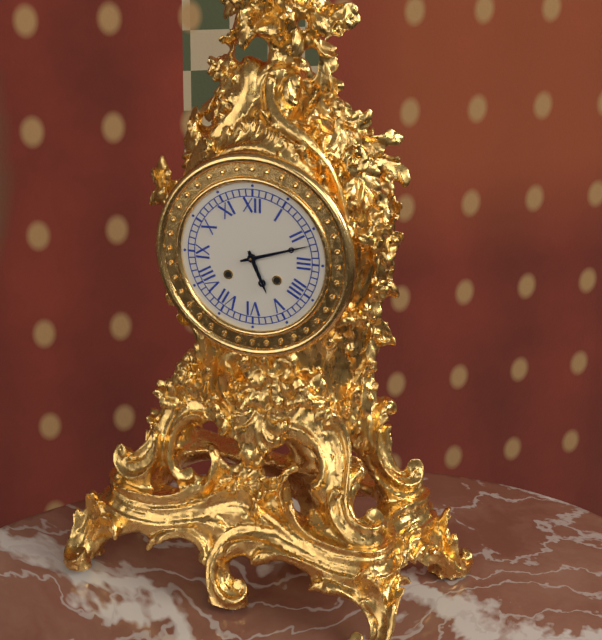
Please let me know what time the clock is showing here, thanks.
5:12
